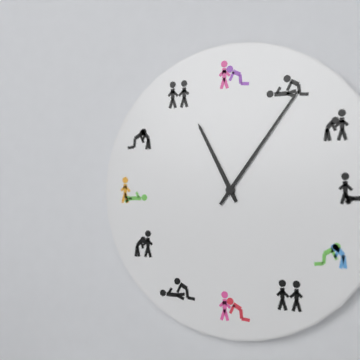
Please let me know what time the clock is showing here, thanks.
11:06
